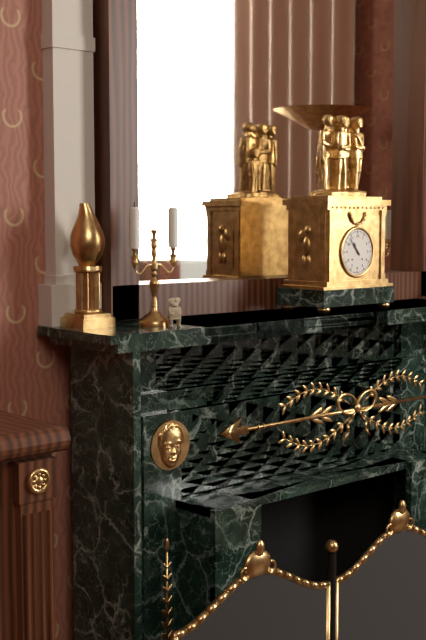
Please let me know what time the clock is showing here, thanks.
10:53
